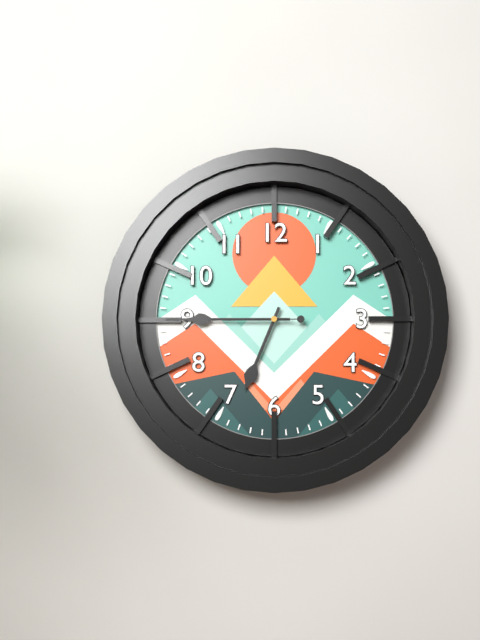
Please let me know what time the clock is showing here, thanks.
6:45:45
